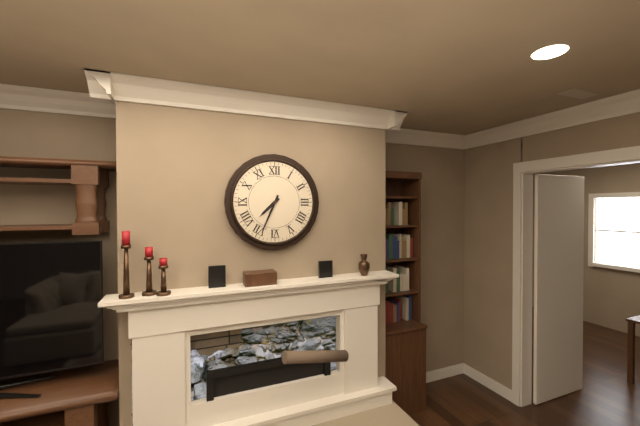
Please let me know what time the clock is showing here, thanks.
7:34
